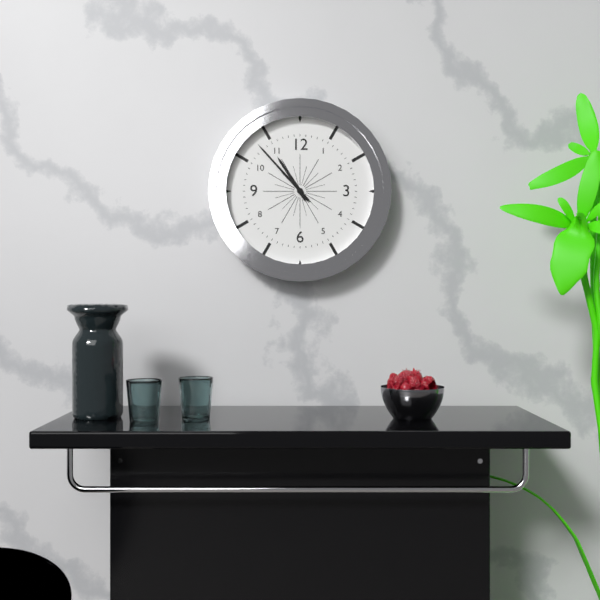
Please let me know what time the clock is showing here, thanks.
10:53
